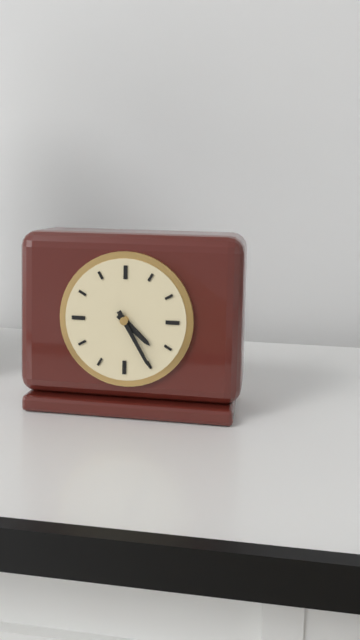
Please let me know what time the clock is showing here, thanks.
4:25
